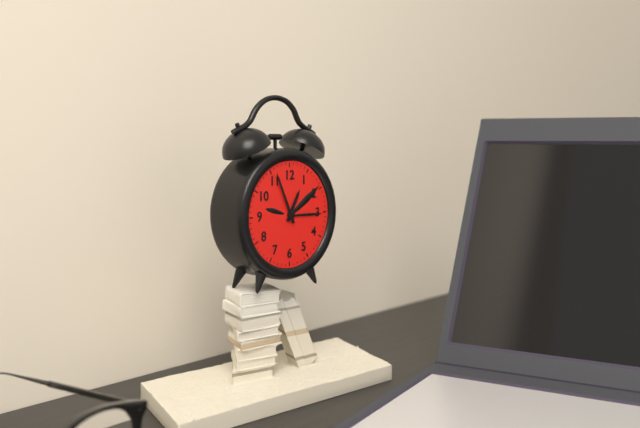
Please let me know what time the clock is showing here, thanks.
12:56
